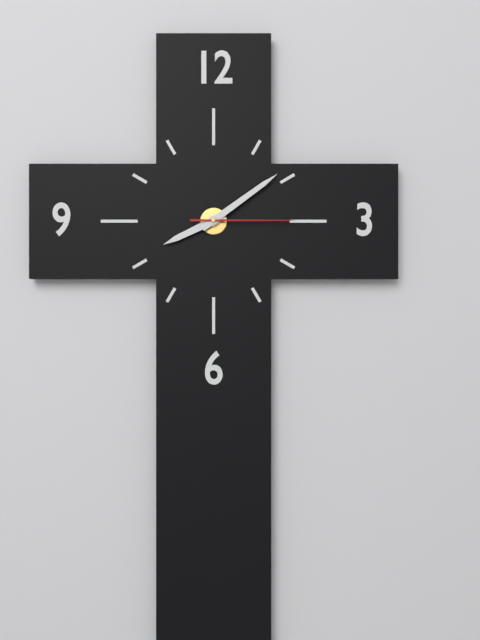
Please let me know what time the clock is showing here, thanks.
8:09:15
